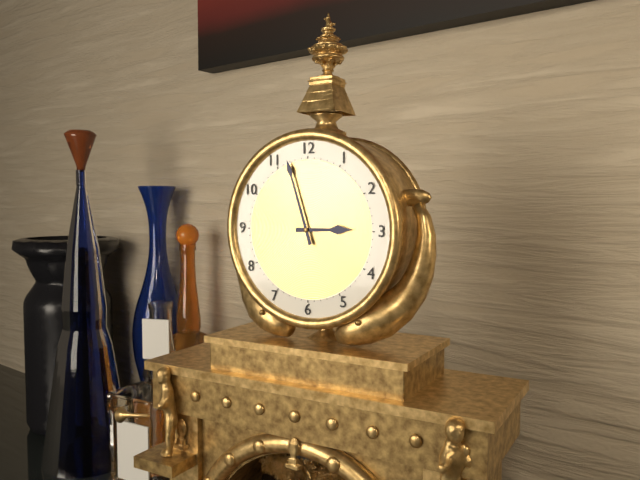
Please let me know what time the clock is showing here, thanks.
2:57
